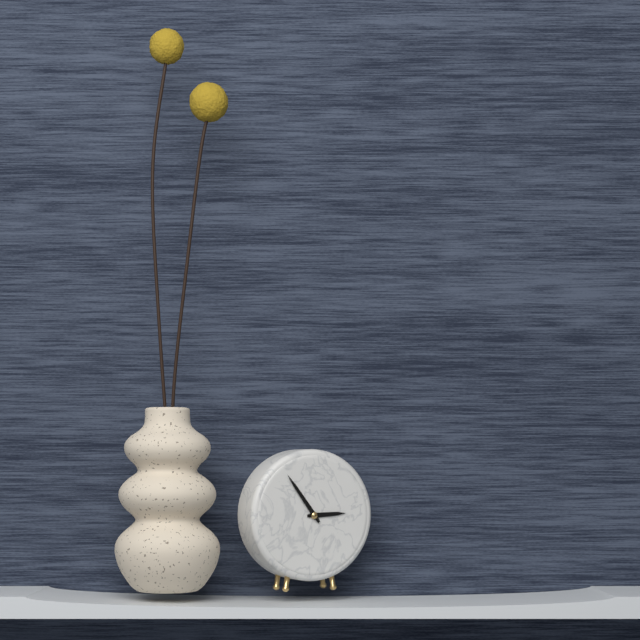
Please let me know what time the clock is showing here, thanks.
2:54
